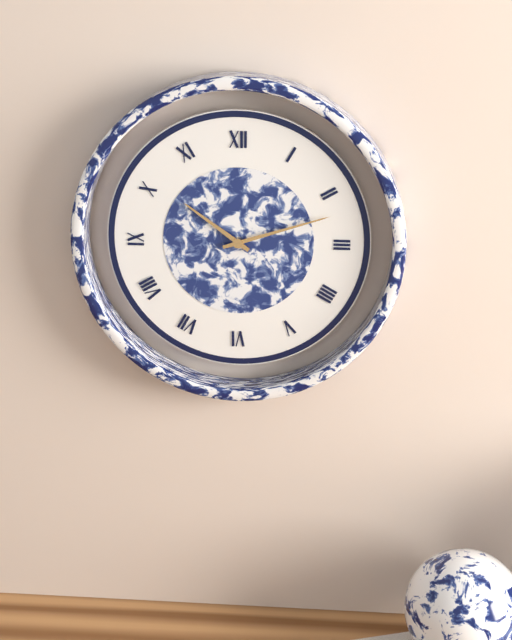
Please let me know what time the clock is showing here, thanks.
10:12
